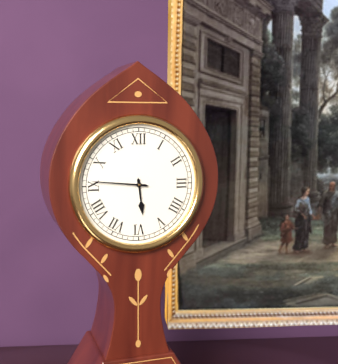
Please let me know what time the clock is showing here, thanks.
5:46
